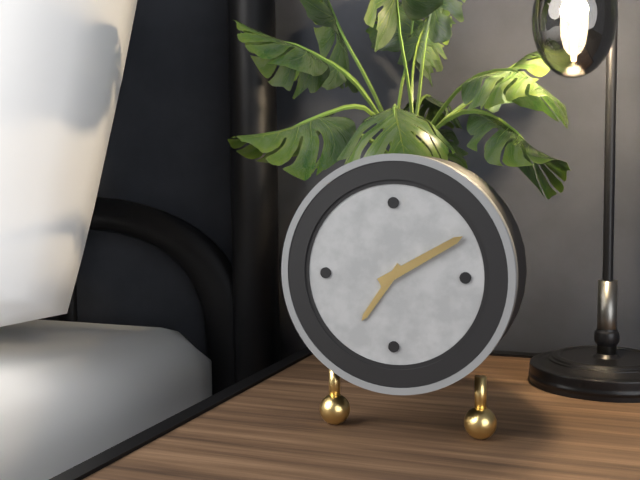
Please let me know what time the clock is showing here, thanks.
7:10
